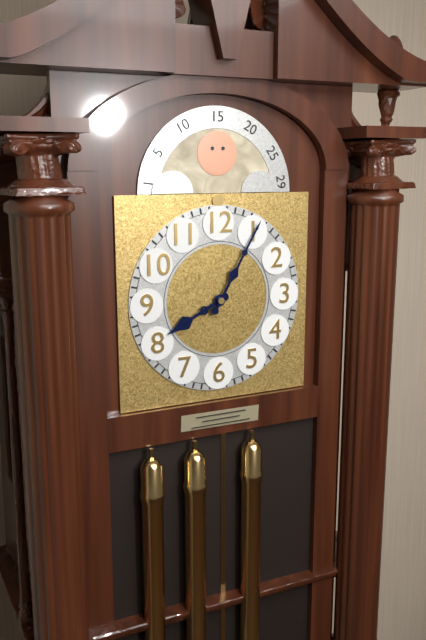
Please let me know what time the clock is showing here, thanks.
8:05
